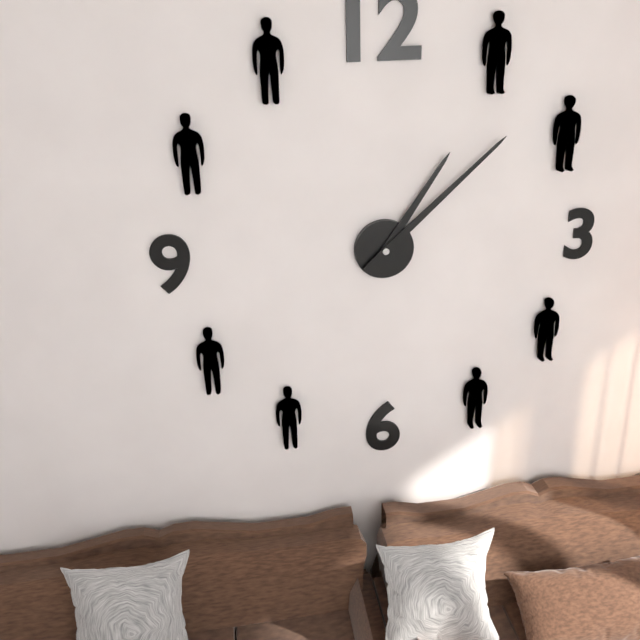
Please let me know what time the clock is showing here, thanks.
1:08
